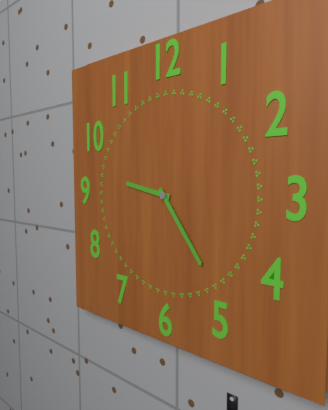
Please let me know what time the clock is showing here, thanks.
9:24
